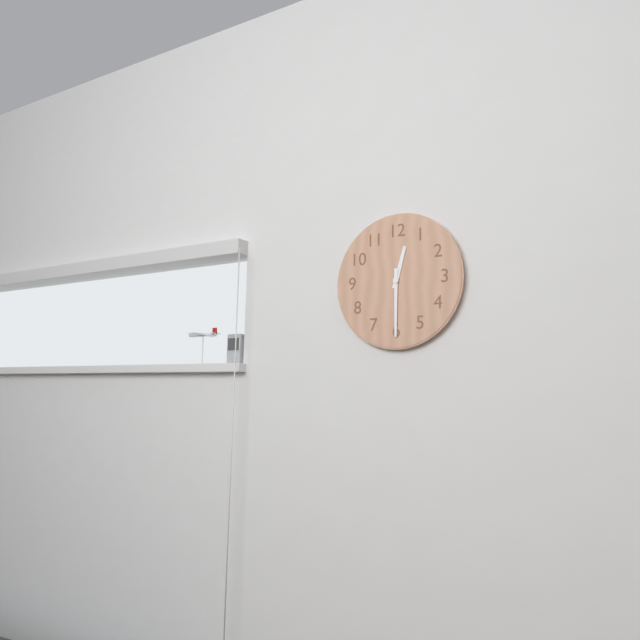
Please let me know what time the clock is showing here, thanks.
12:30
